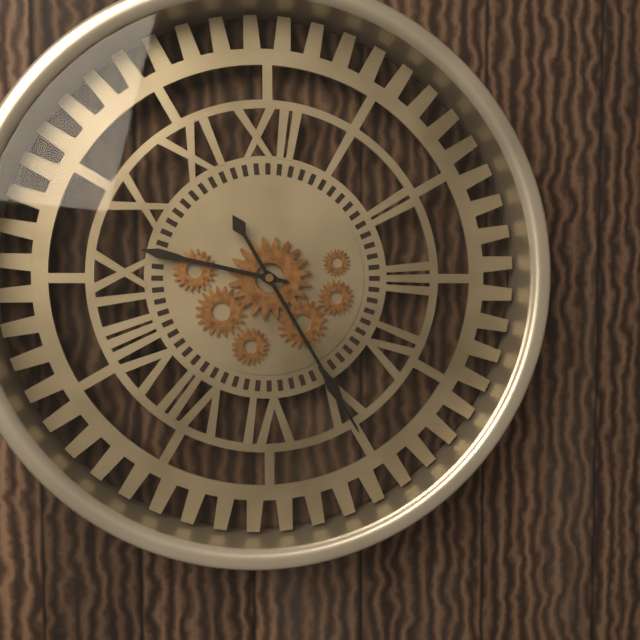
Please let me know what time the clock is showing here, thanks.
9:25
